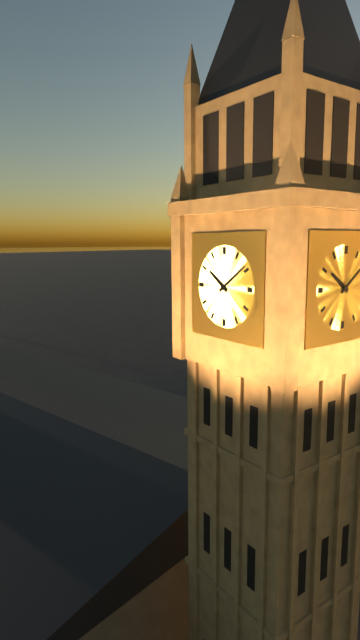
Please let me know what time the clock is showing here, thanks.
10:09
